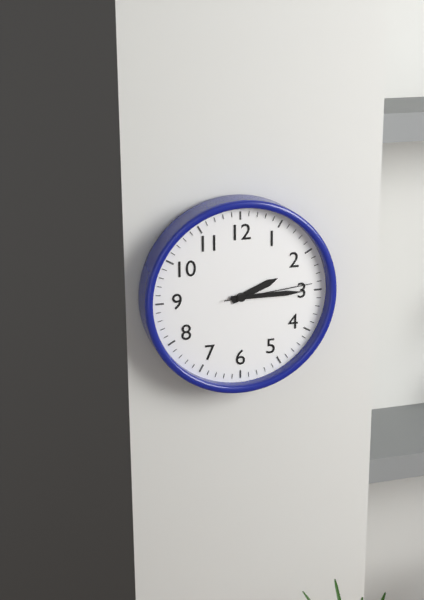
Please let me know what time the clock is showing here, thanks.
2:15:14
